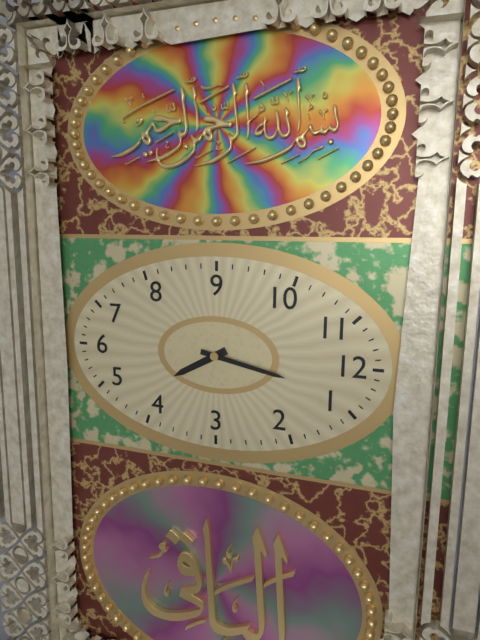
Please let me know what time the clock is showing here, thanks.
5:02
